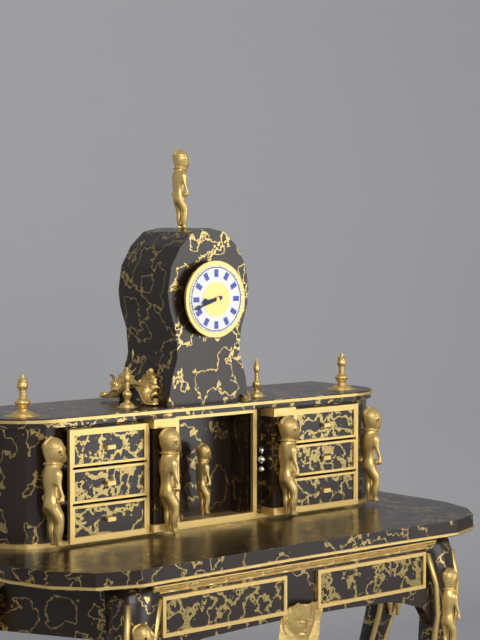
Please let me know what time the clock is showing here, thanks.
8:42
